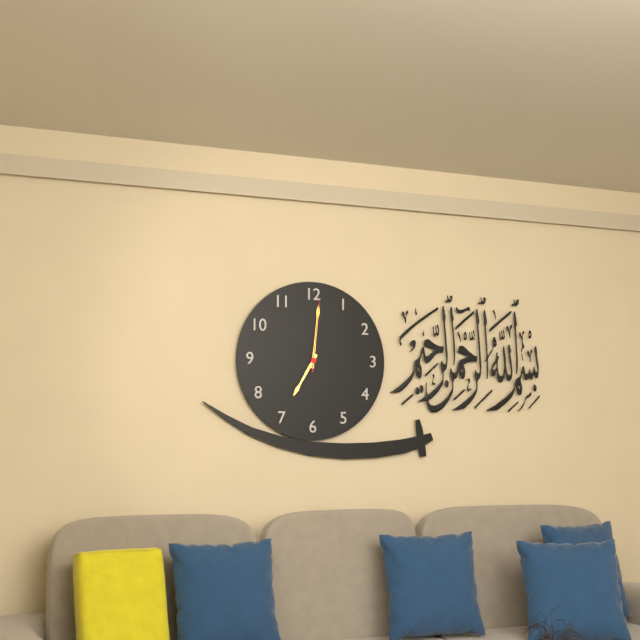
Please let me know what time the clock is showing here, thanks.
7:01:01
